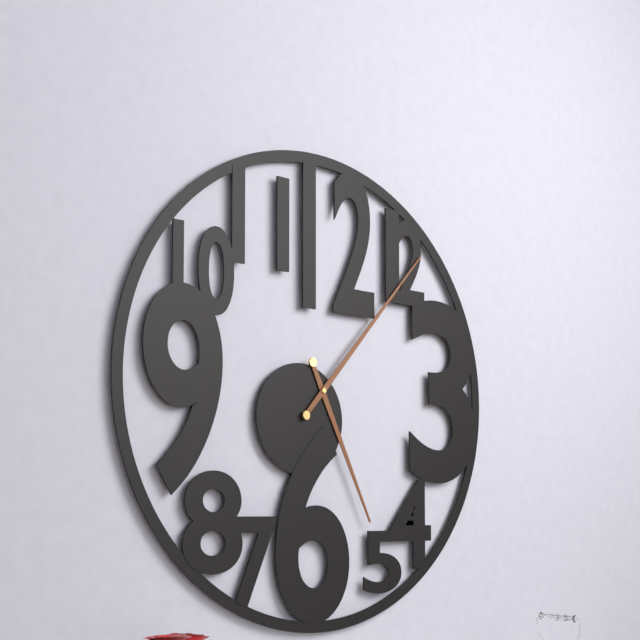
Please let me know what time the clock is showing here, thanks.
5:07
